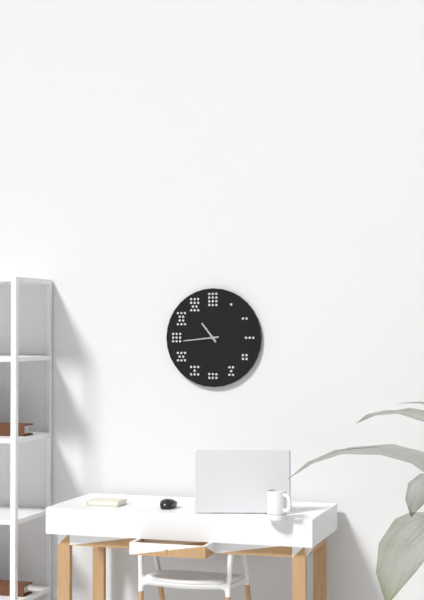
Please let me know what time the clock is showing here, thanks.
10:44
